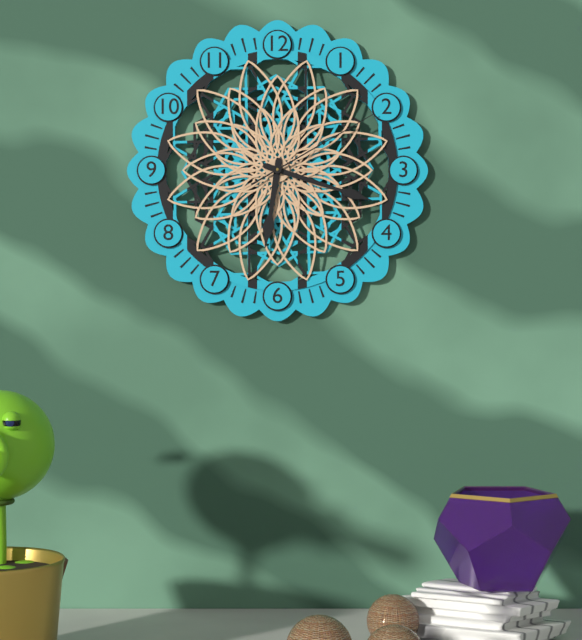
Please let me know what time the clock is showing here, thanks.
6:18:10
